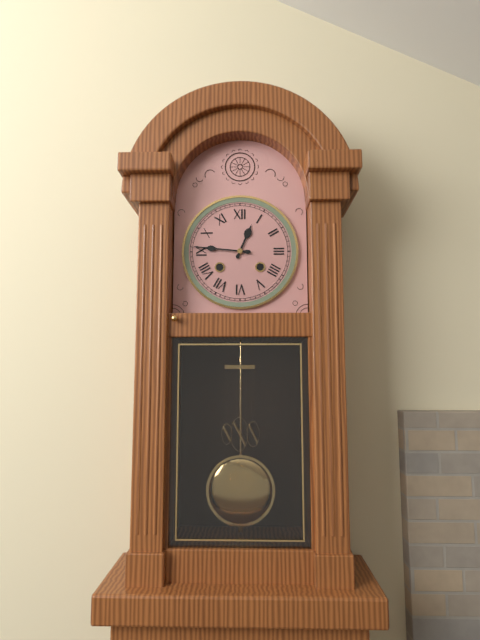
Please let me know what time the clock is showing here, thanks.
12:46
